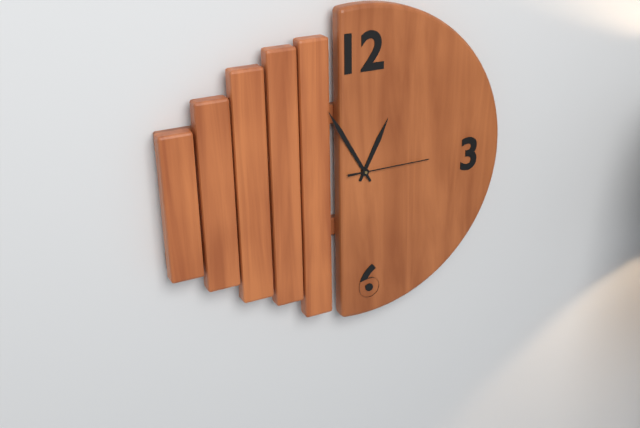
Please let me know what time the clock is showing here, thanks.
12:55:15
